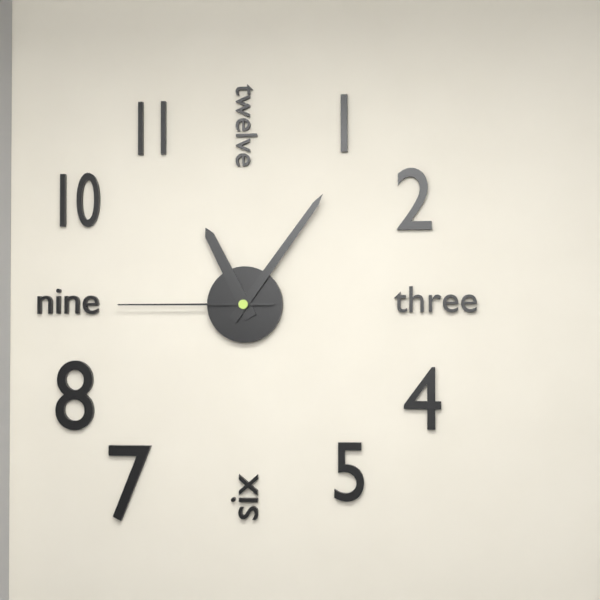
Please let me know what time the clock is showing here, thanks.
11:06:45
